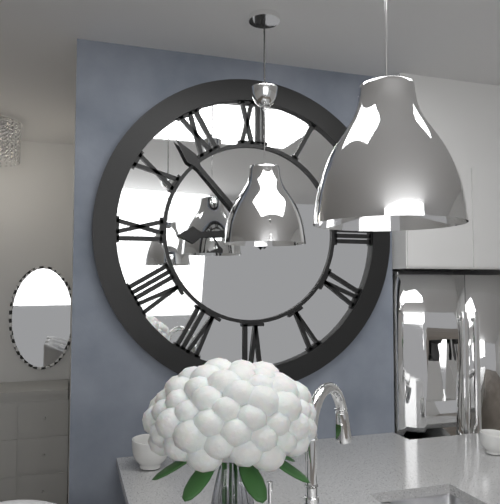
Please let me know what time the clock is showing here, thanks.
8:53
